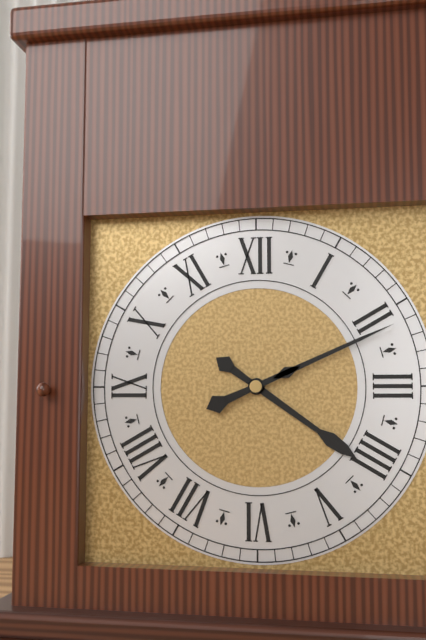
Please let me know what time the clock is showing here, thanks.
4:11
